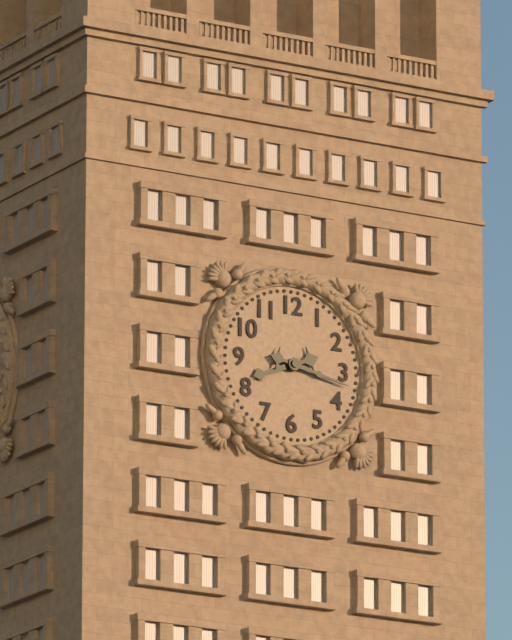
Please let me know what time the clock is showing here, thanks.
8:17
